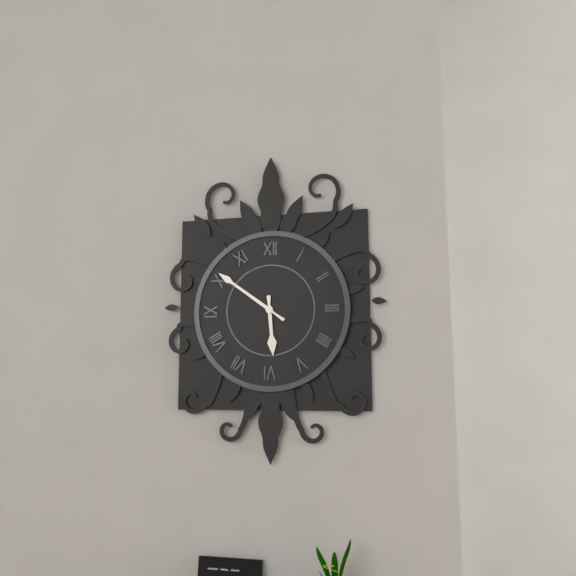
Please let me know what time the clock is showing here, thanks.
5:51
